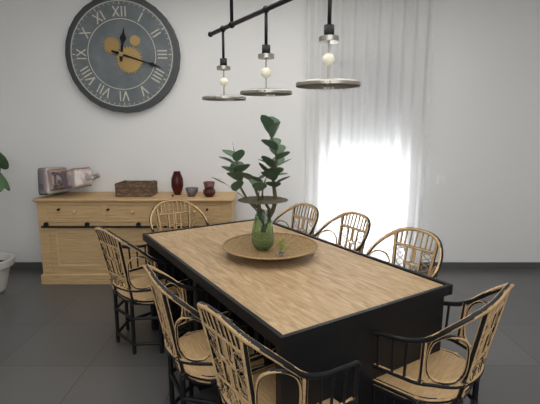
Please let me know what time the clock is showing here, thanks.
12:18
